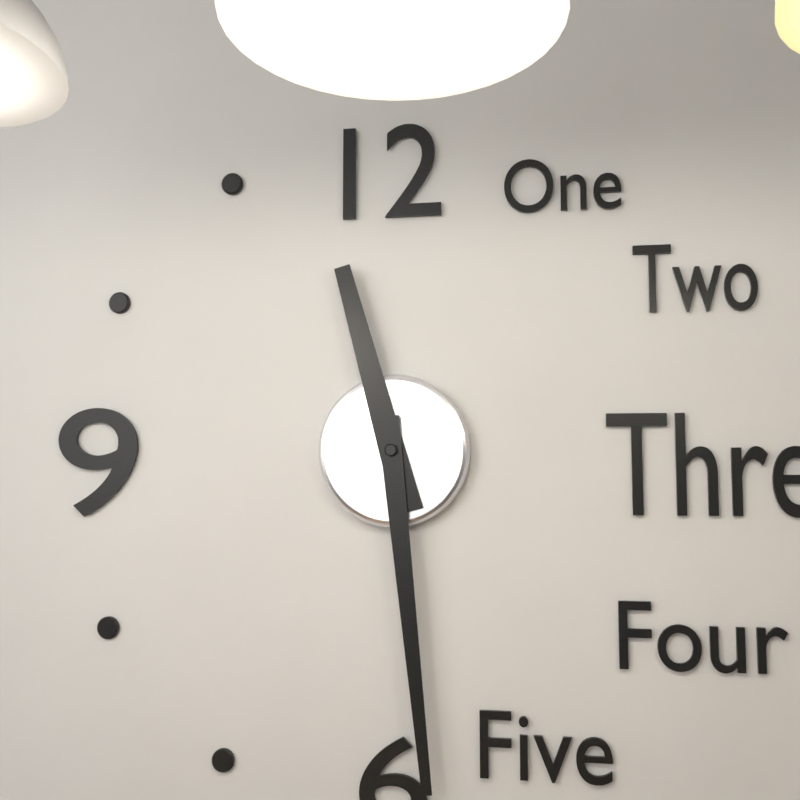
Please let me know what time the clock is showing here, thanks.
11:29
